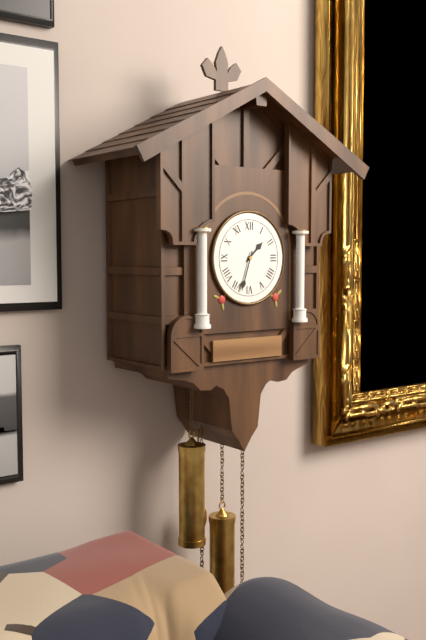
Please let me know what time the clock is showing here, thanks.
1:33
